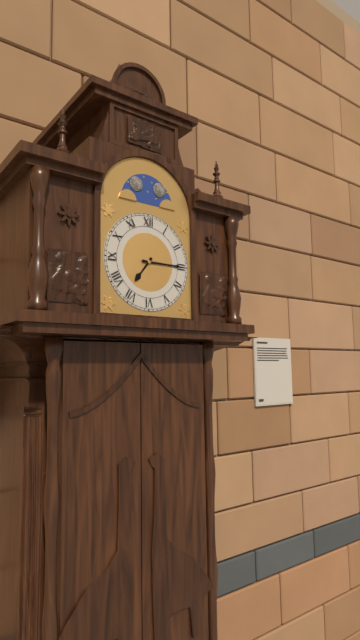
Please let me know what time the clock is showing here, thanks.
7:15
